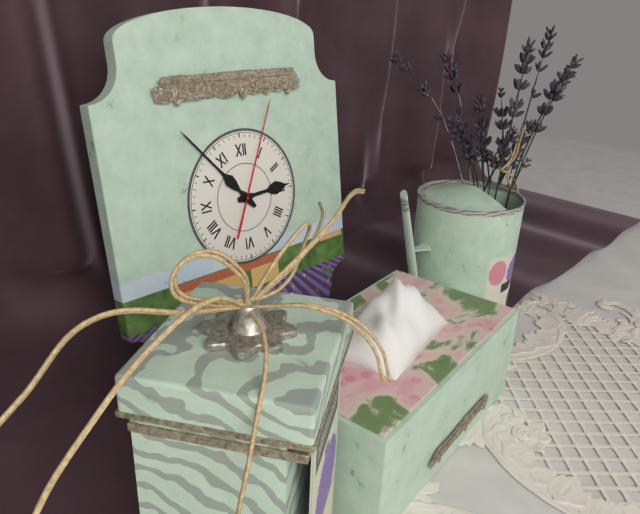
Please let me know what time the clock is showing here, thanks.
2:53:04
